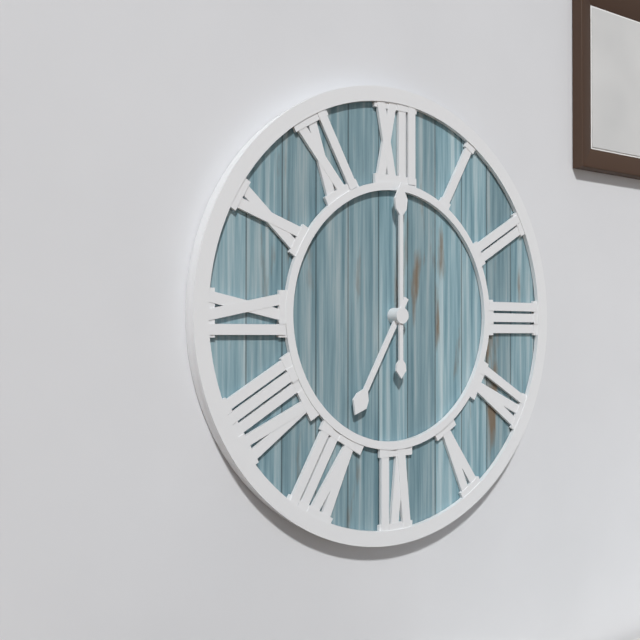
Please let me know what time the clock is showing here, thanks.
7:00
